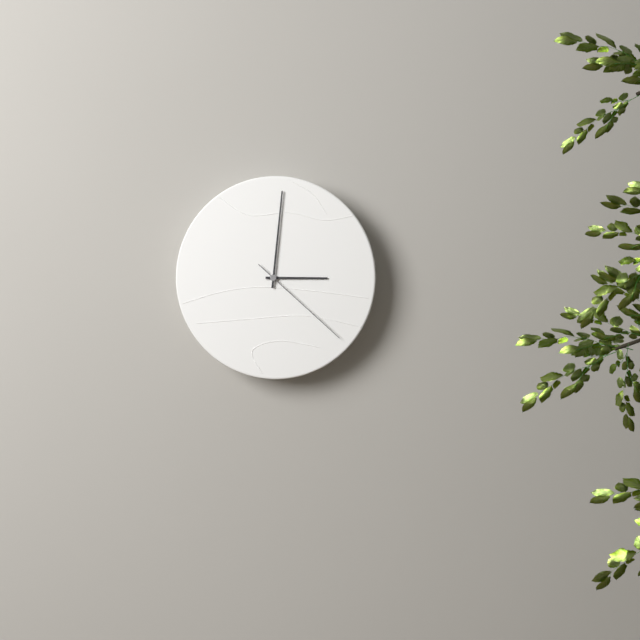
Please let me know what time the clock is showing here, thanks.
3:01:22
